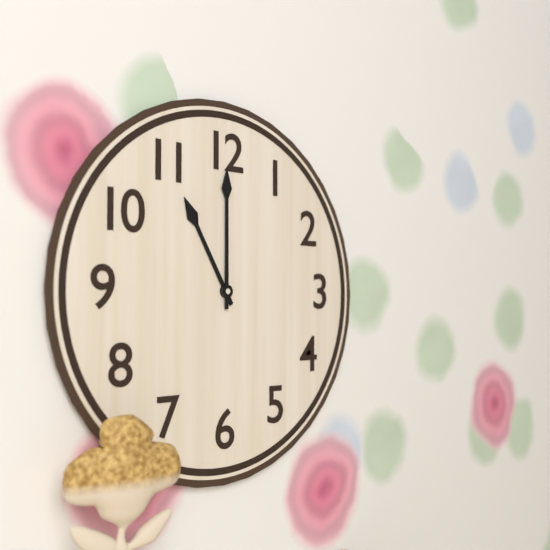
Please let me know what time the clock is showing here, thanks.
11:00
